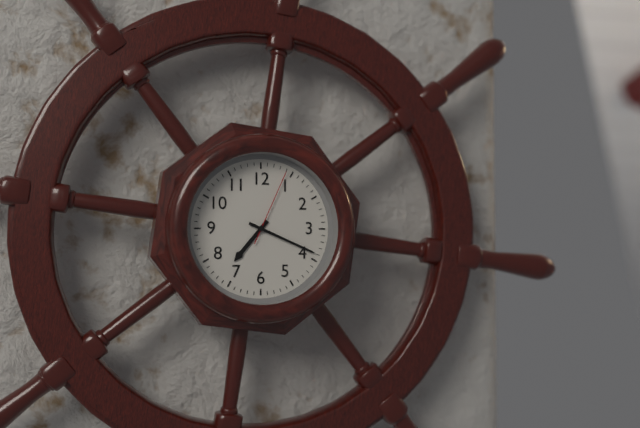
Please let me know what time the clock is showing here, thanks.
7:19:04
